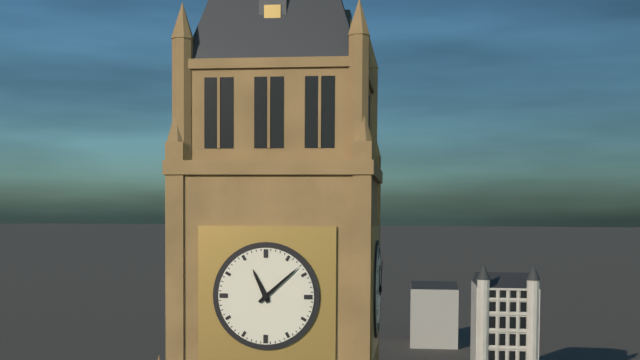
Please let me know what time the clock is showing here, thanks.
11:08
